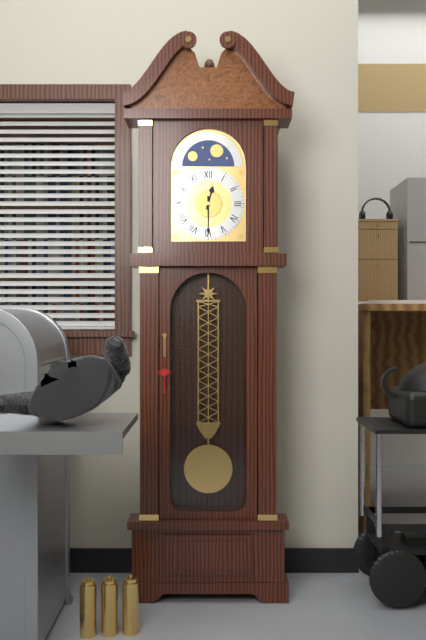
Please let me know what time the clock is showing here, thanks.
12:30
